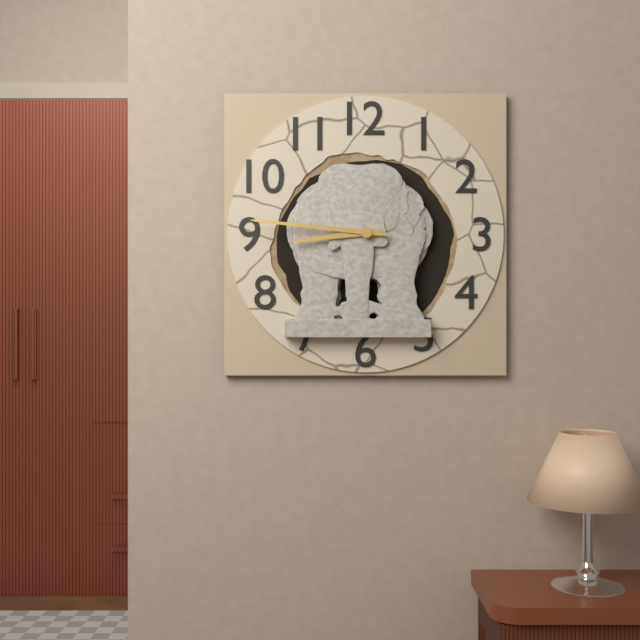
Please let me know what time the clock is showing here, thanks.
8:46
